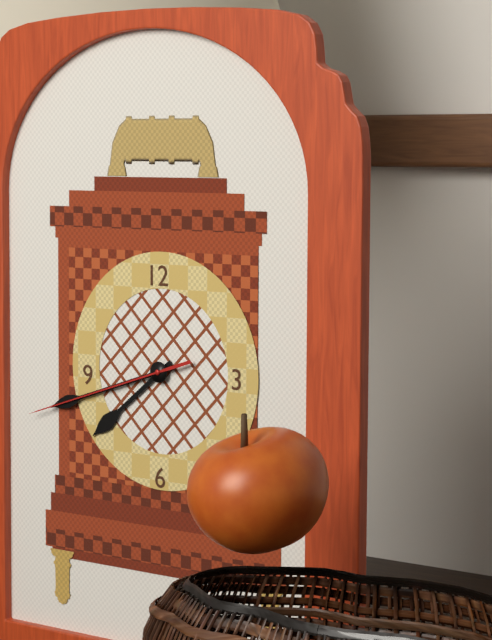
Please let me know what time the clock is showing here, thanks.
7:42:42
